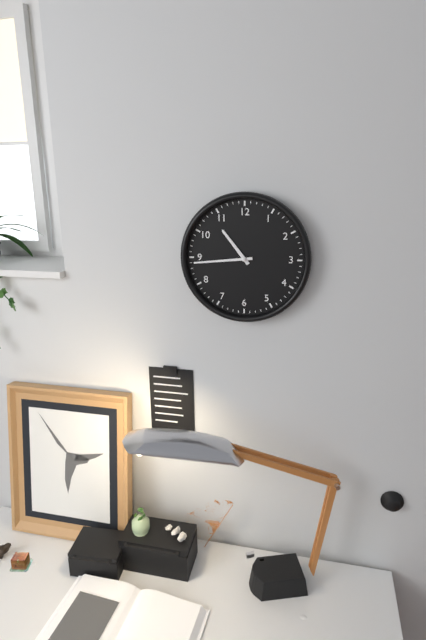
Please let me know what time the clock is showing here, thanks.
10:44
